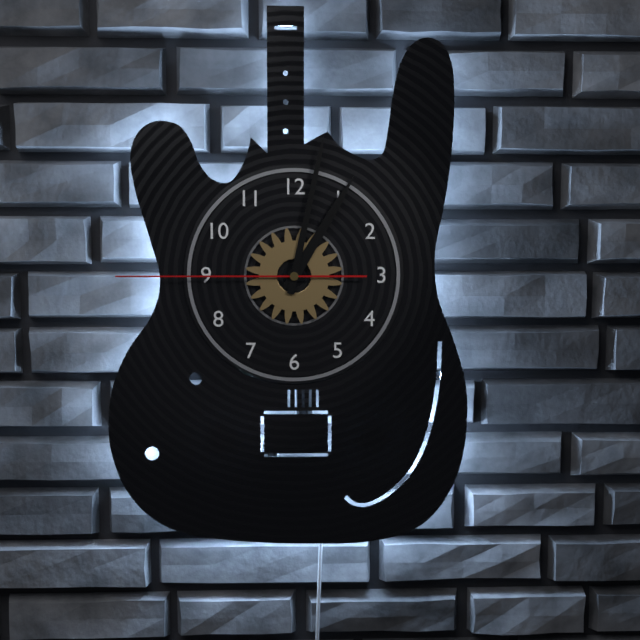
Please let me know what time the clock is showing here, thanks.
1:02:45
